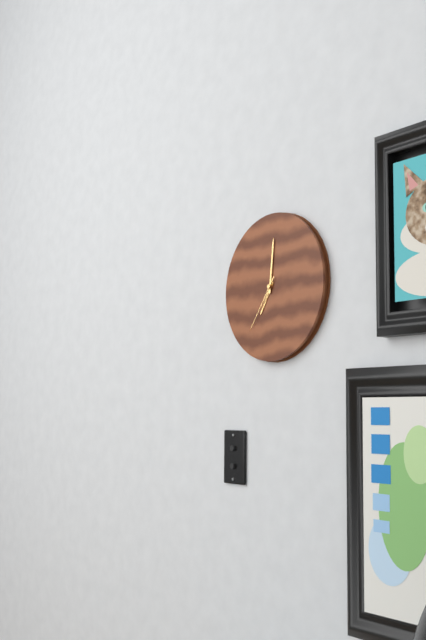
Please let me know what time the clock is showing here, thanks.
7:01:36
